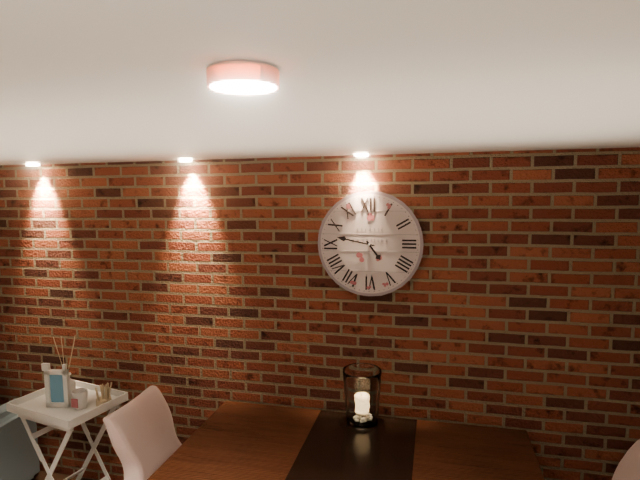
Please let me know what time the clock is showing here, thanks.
4:47
